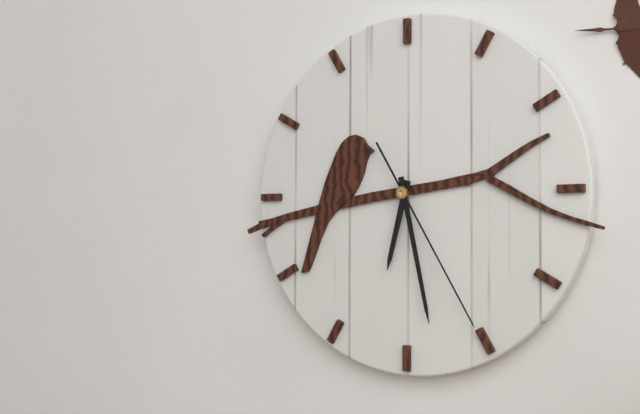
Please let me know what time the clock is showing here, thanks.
6:28:25
